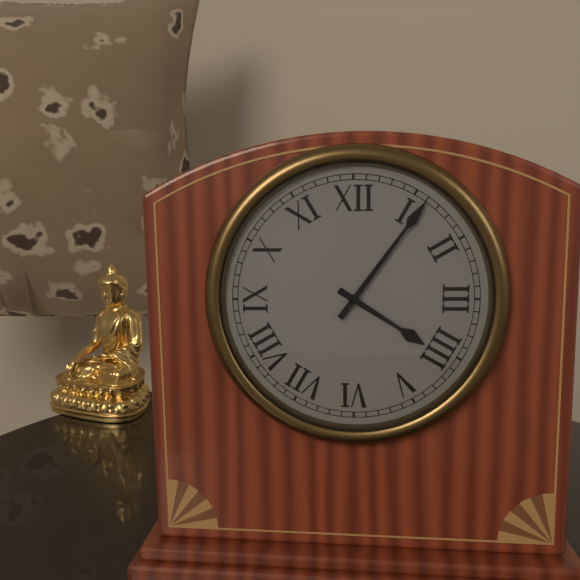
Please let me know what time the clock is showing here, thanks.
4:06
